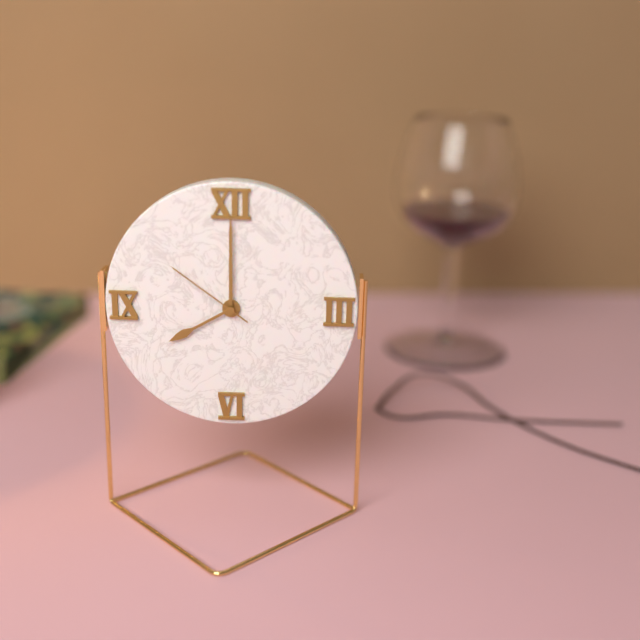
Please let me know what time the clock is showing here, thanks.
8:00:51
